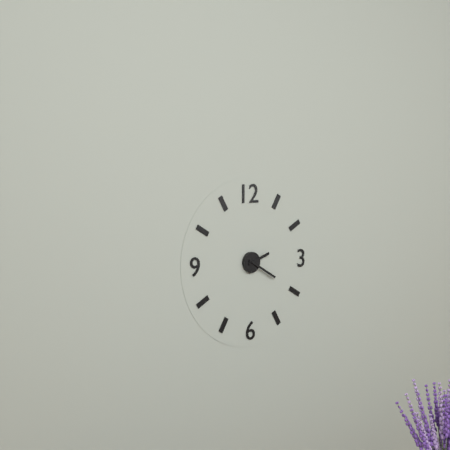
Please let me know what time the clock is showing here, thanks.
2:20
